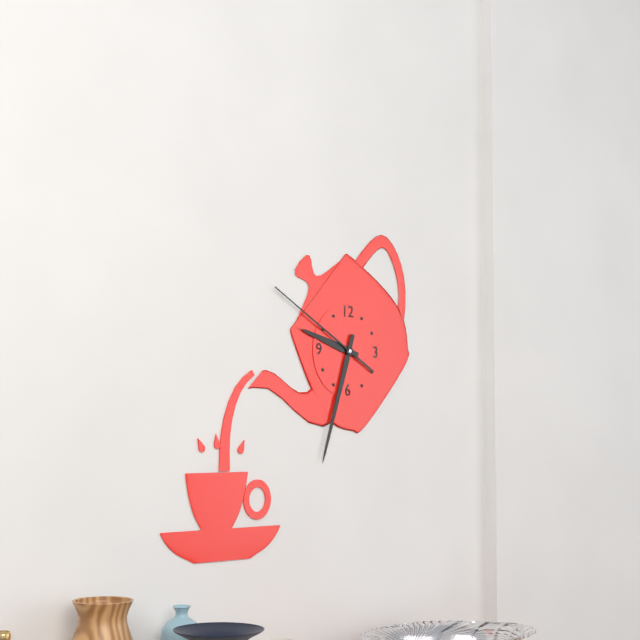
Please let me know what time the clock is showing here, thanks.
9:33:50
